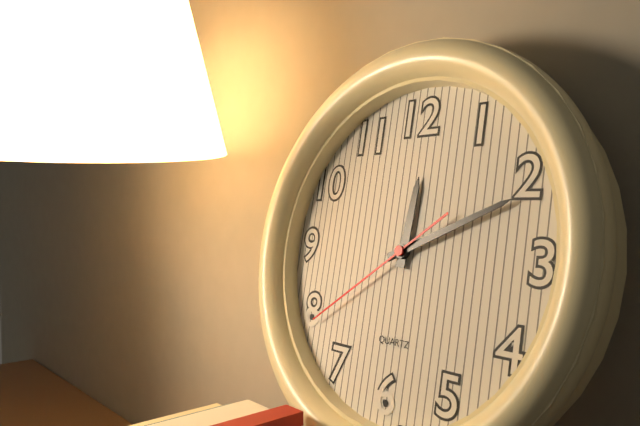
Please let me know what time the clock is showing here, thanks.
12:11:39
